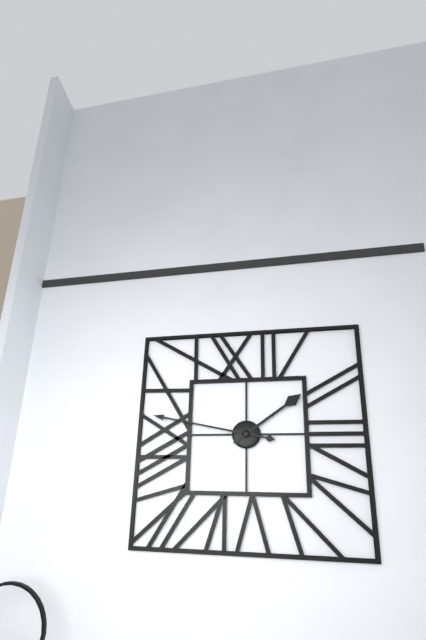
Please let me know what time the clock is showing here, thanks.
1:47
